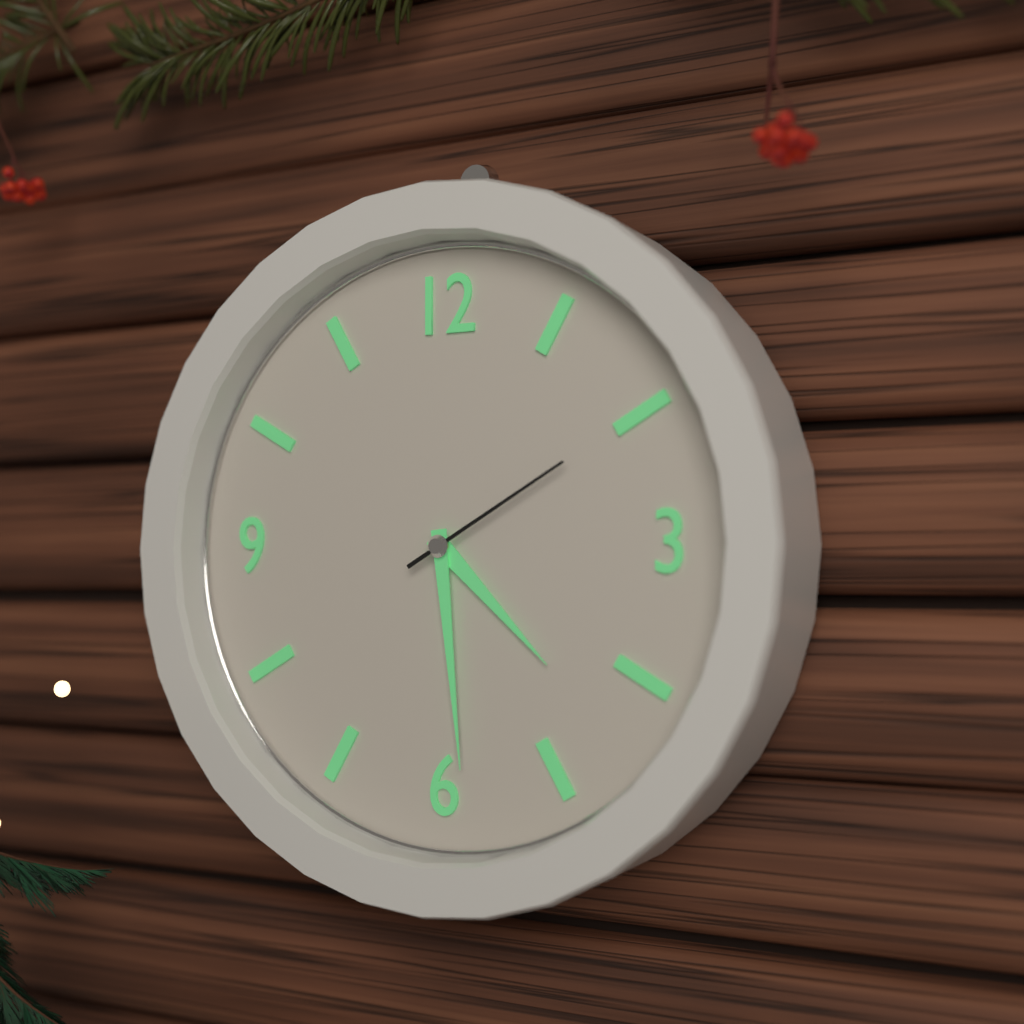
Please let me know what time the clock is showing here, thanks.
4:29:10
